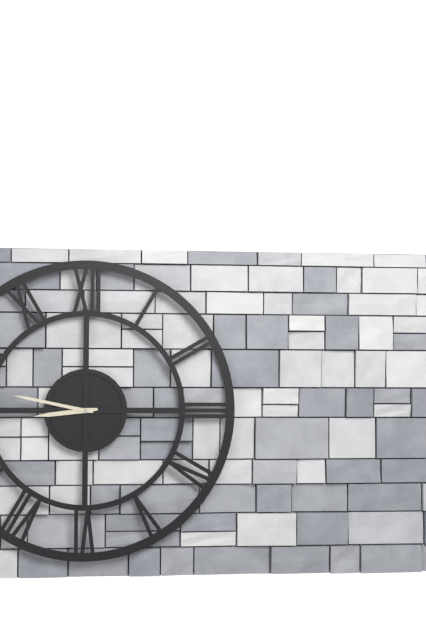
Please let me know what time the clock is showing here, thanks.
8:47
